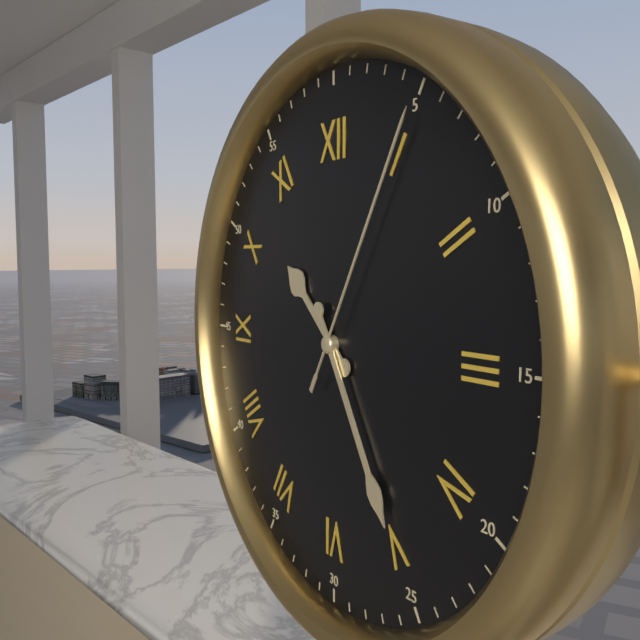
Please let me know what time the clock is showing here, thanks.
10:25:05
